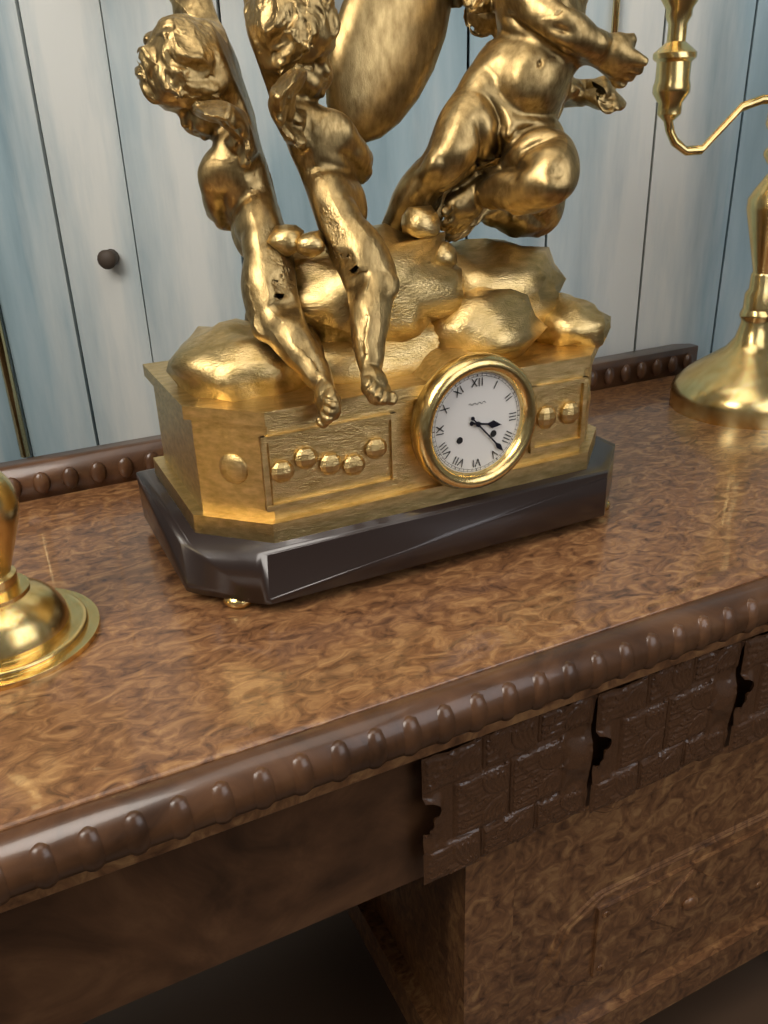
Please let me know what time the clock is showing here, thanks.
3:23
